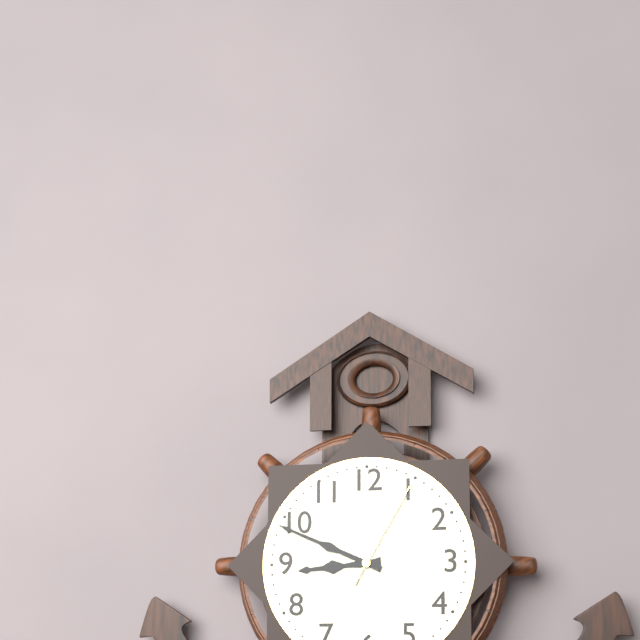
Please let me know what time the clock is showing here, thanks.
8:49:05
